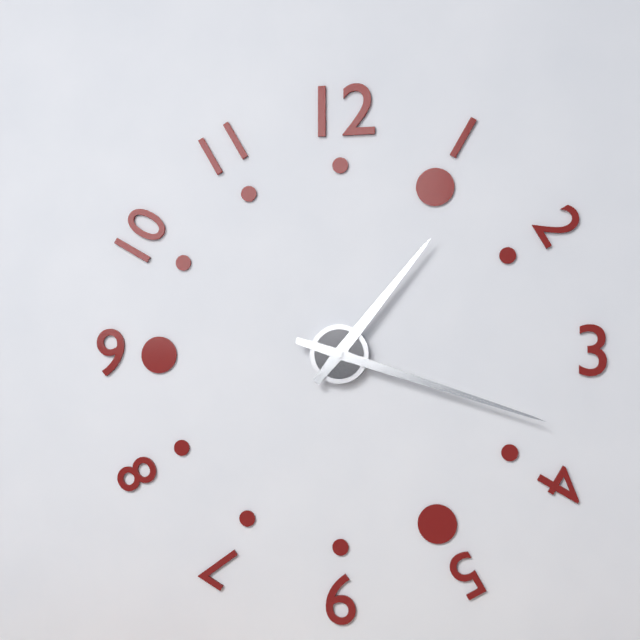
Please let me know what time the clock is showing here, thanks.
1:18
